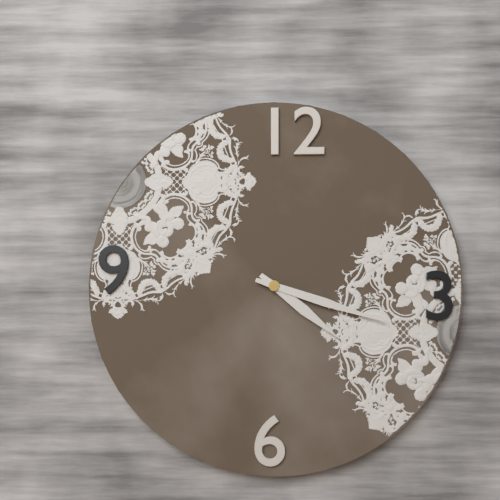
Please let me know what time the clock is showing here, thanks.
4:18
